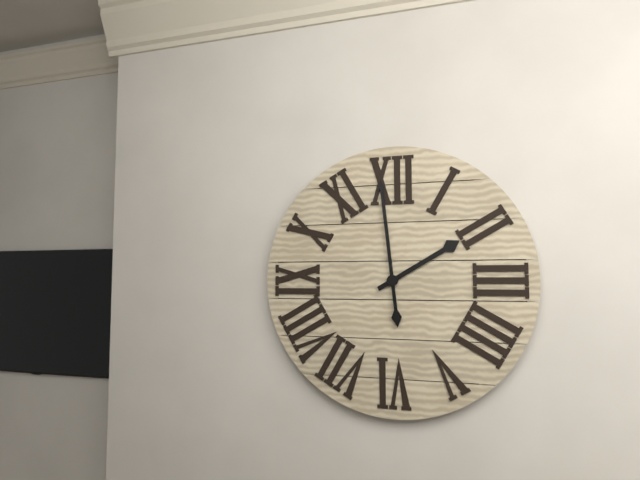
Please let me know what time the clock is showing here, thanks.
1:59
